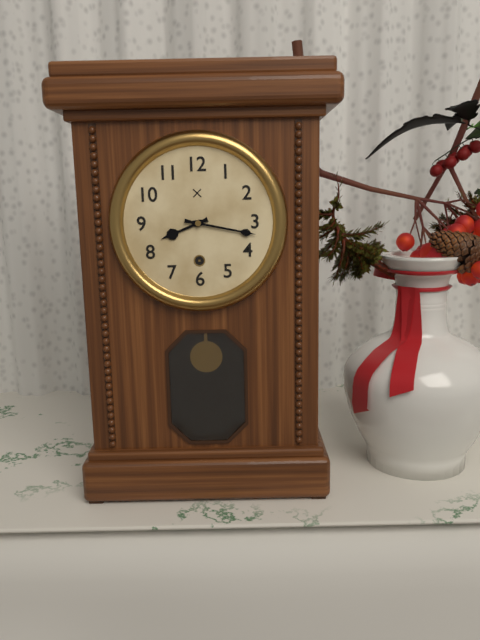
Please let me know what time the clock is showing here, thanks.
8:17
